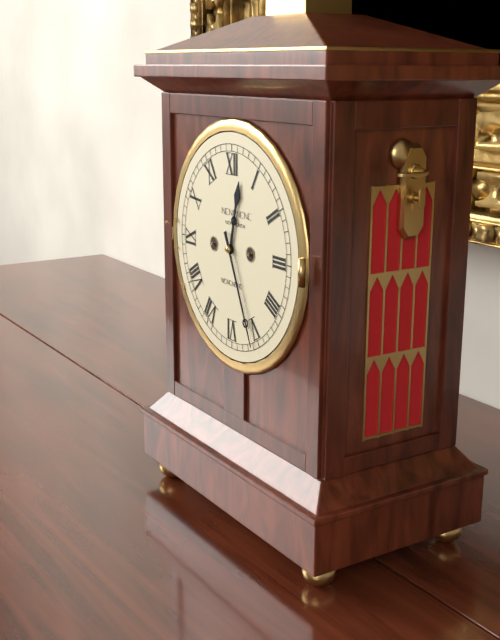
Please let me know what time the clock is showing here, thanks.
12:26
